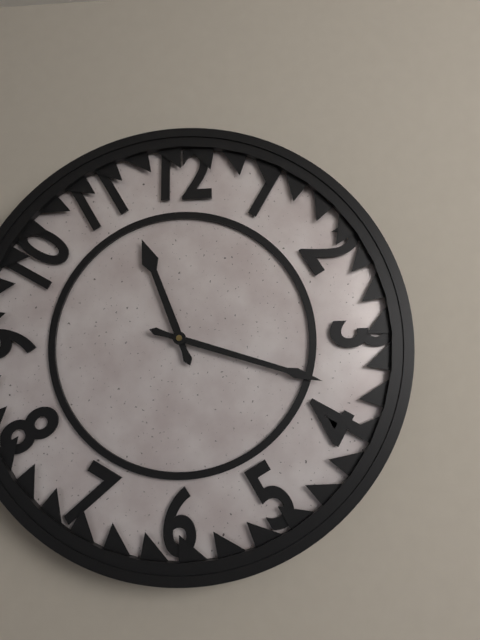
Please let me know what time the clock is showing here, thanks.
11:18
